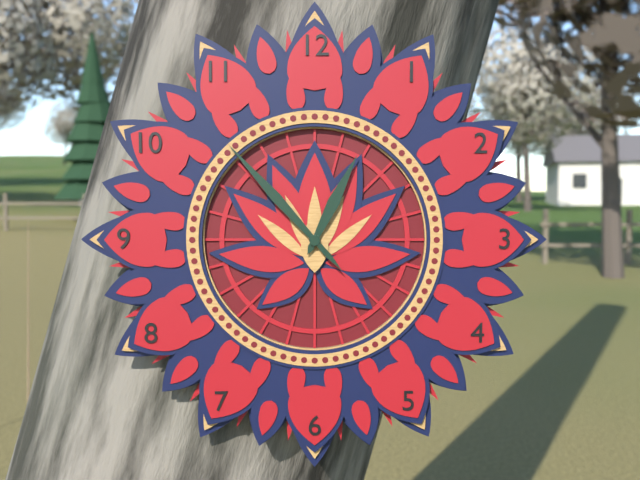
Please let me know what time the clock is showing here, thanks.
12:53
